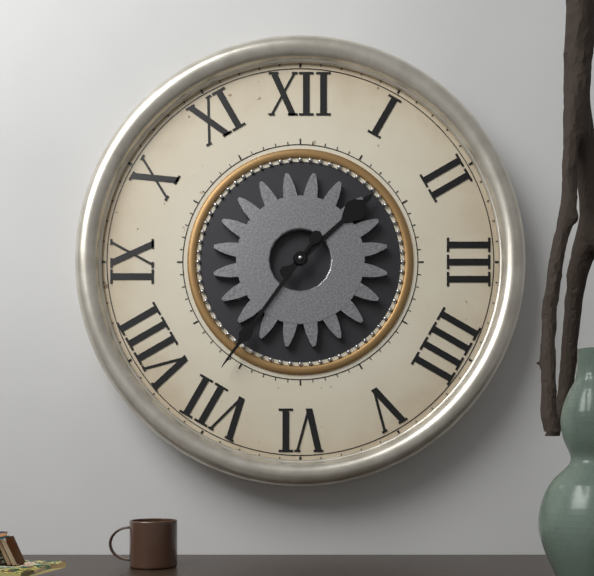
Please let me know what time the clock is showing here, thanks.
1:36
